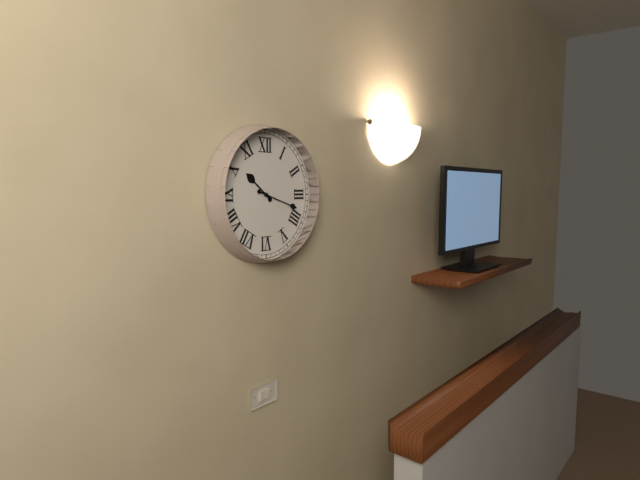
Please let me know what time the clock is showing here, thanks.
10:18
